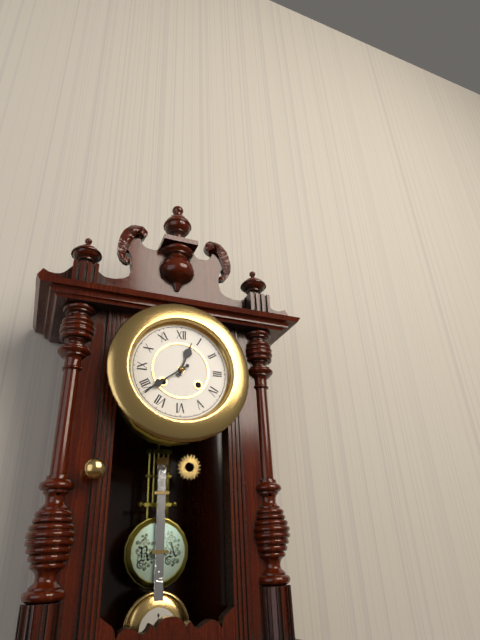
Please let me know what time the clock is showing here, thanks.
12:39
